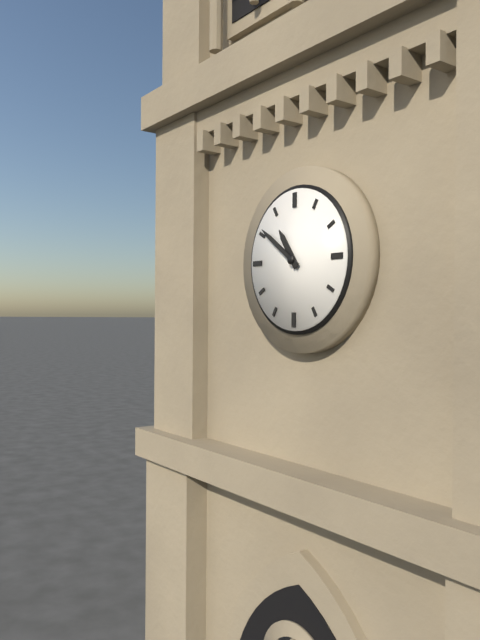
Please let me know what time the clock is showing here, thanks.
10:51
